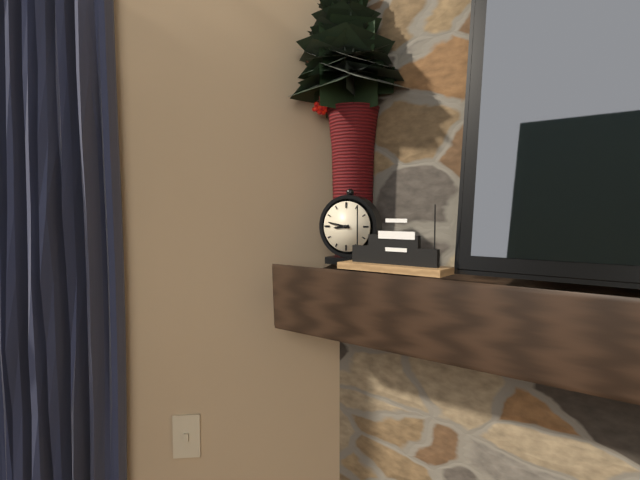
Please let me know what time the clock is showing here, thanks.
8:47
